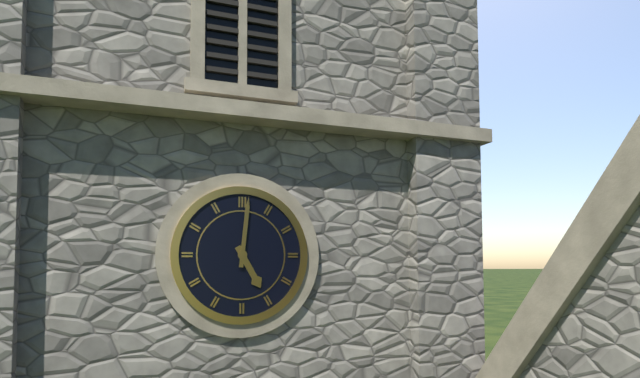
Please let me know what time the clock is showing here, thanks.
5:01
